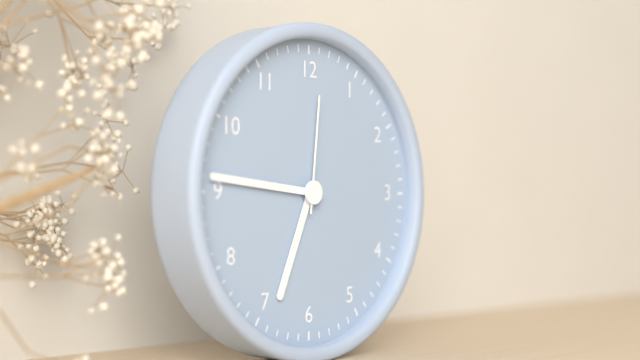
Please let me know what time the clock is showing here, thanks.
6:46:01
